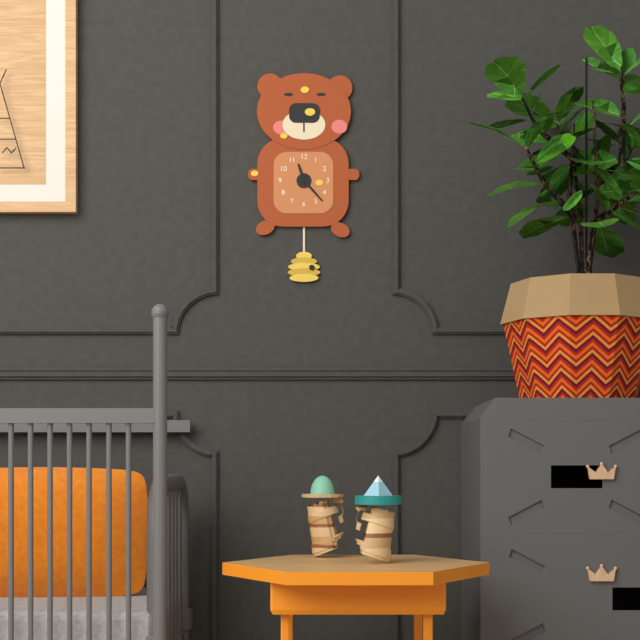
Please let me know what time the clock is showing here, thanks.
11:23
